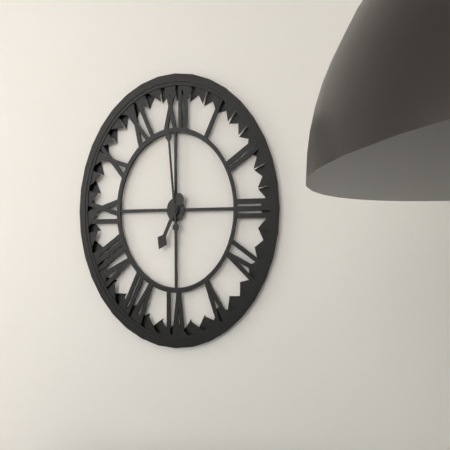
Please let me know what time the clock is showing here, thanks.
6:59
